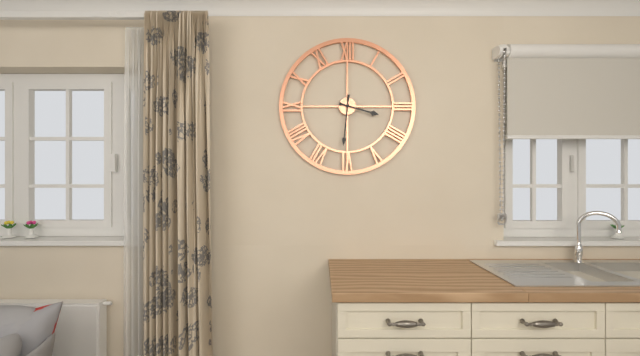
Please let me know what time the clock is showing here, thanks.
3:31
